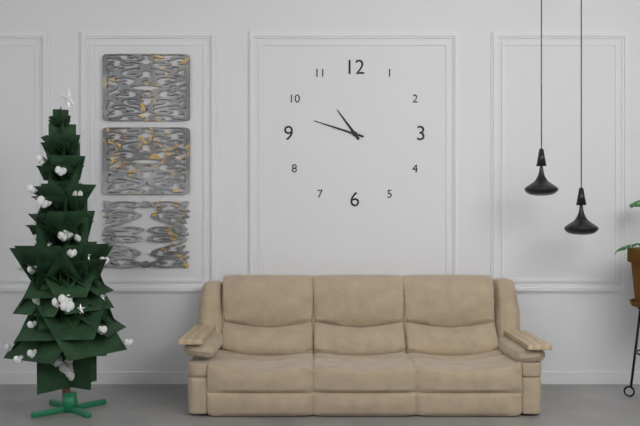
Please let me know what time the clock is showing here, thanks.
10:48
